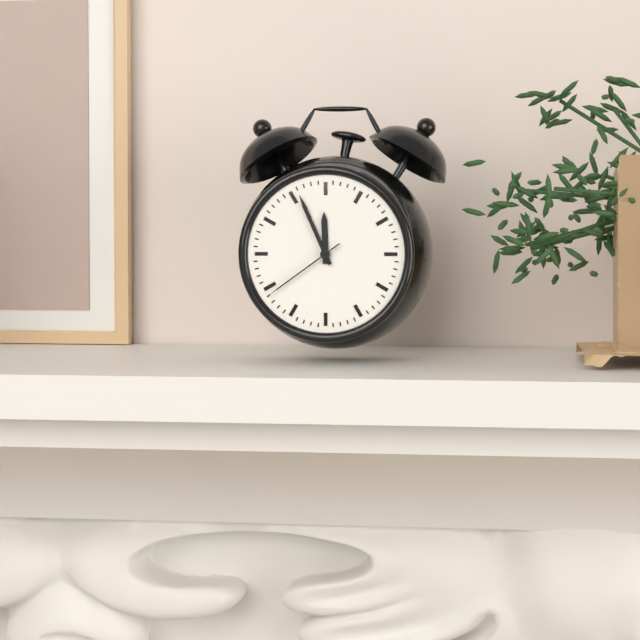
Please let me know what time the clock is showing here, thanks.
11:56:39
